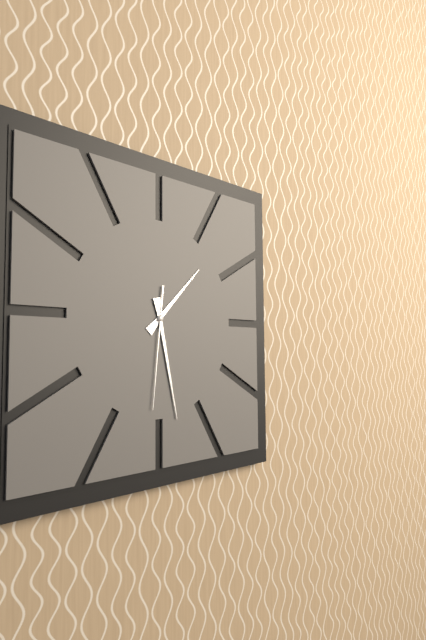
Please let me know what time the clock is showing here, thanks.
1:28:31
